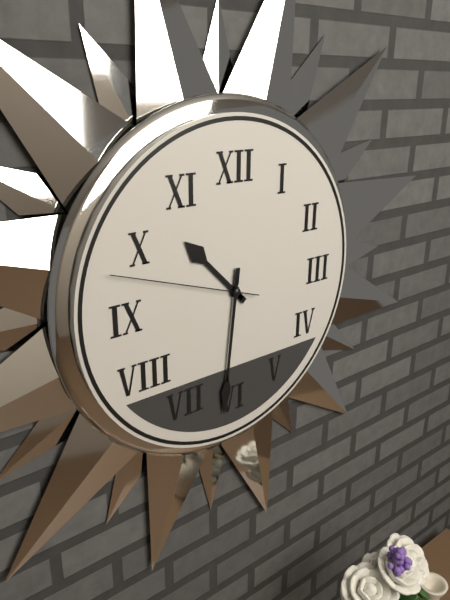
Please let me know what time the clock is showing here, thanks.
10:31:48
